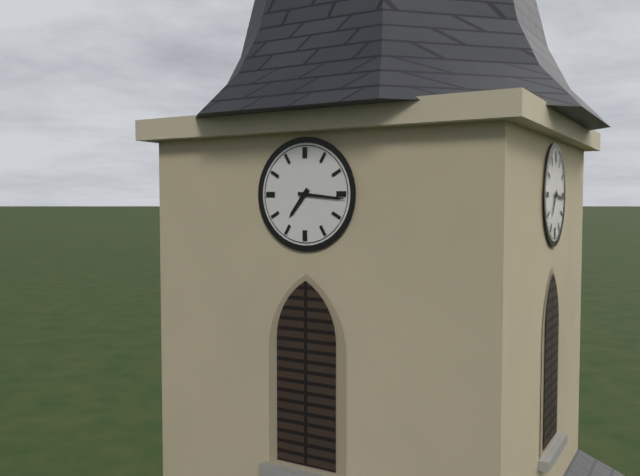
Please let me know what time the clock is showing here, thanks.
7:16
